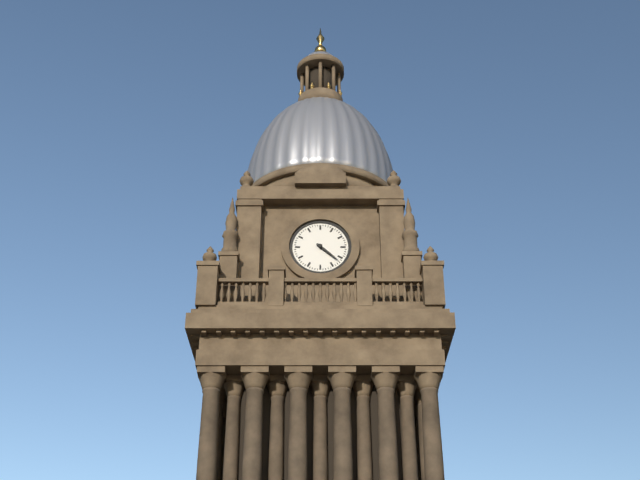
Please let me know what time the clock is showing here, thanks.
4:22
